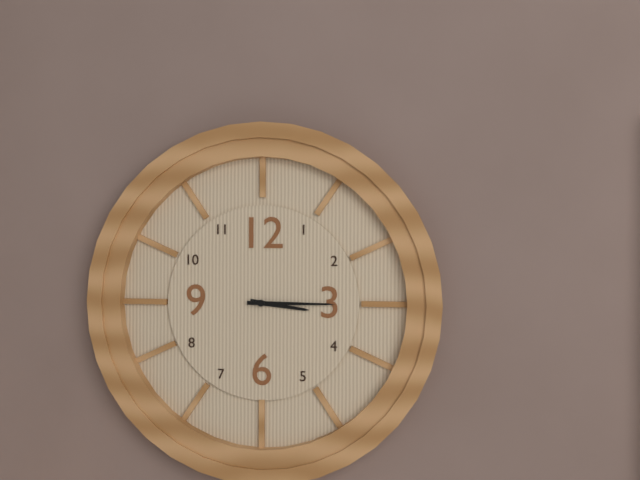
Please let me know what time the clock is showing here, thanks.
3:15
